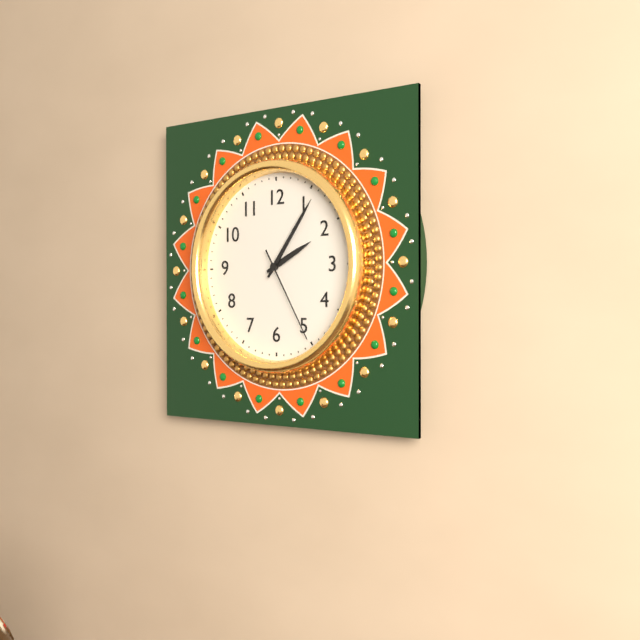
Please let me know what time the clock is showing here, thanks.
2:06:25
